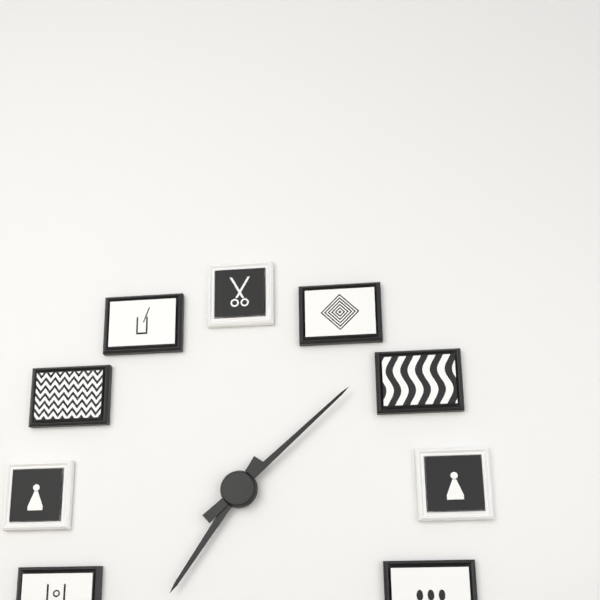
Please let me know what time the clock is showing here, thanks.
7:08
